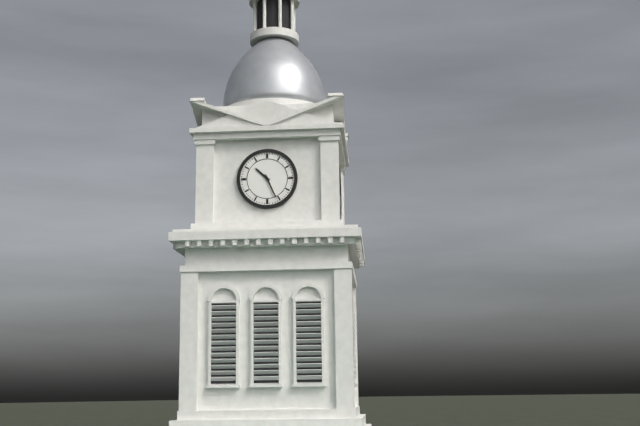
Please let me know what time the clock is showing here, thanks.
10:26
